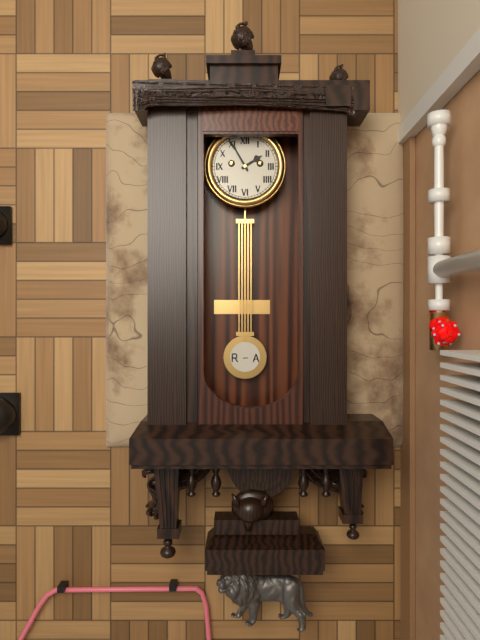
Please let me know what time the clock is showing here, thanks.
1:55
